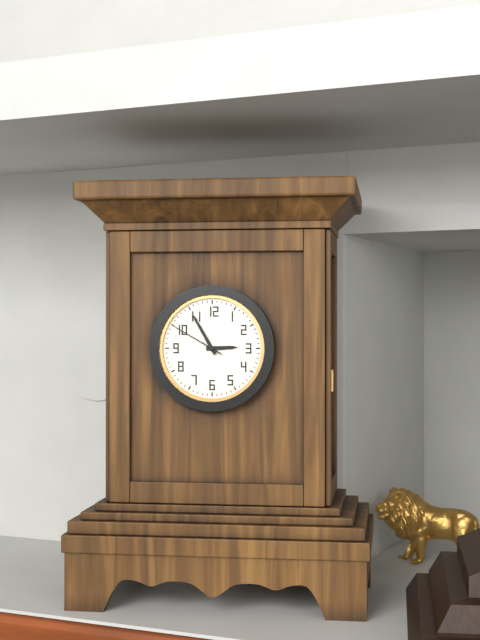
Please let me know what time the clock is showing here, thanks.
2:55:50
